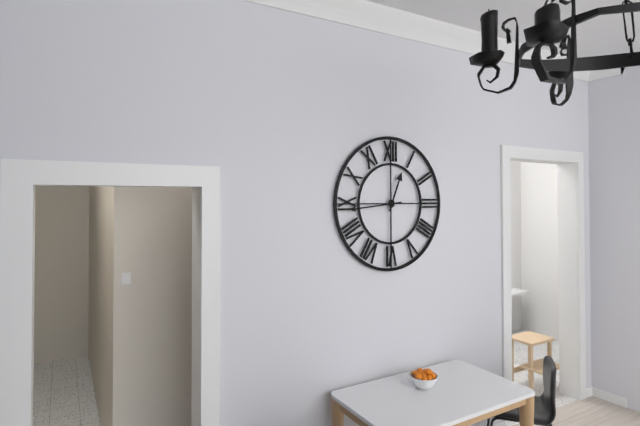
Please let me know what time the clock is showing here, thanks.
12:44
